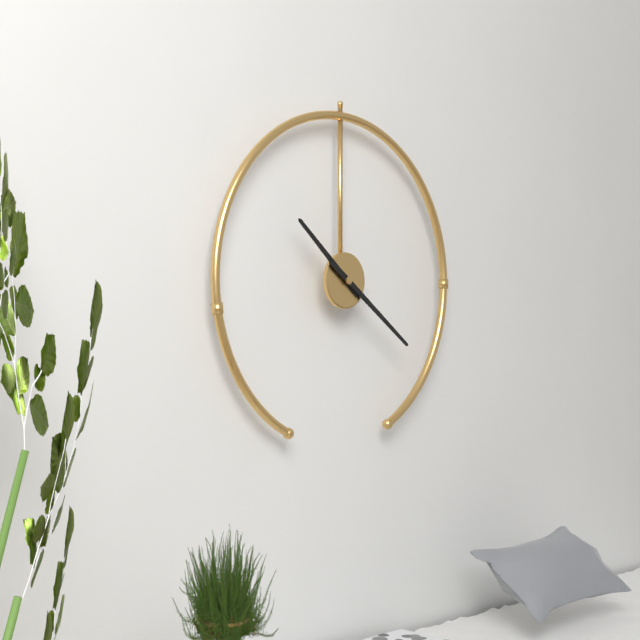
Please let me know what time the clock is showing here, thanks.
10:21
